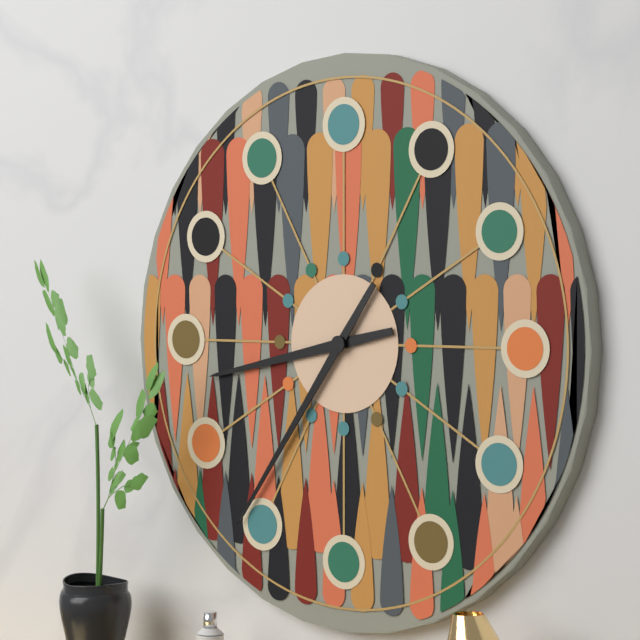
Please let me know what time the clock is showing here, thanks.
8:36
